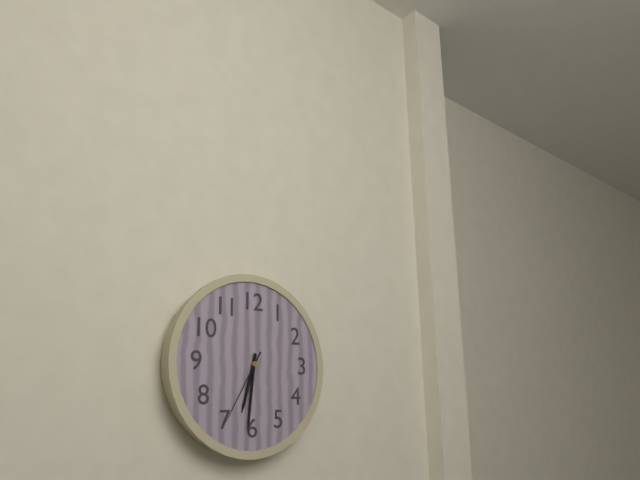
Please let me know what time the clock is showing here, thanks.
6:31:35
